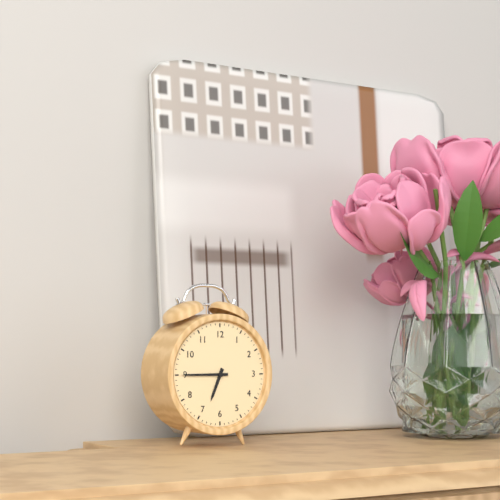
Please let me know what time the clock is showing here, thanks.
6:45
